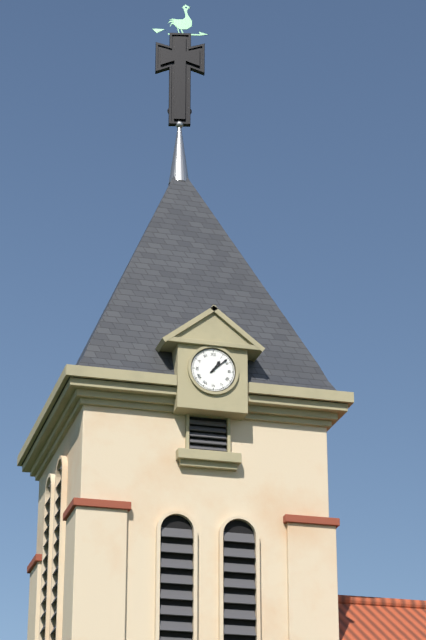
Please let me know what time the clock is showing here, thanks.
1:08
